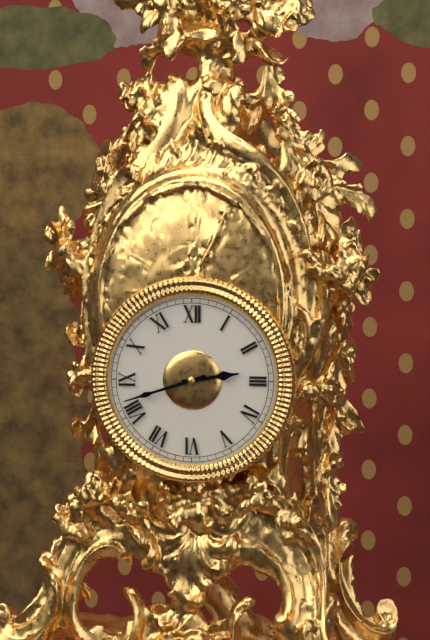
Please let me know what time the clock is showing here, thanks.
2:42
